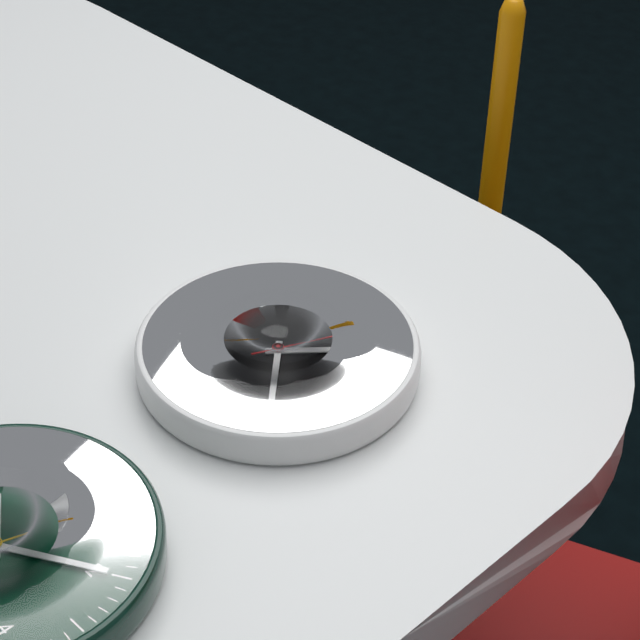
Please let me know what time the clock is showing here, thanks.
1:23:04
